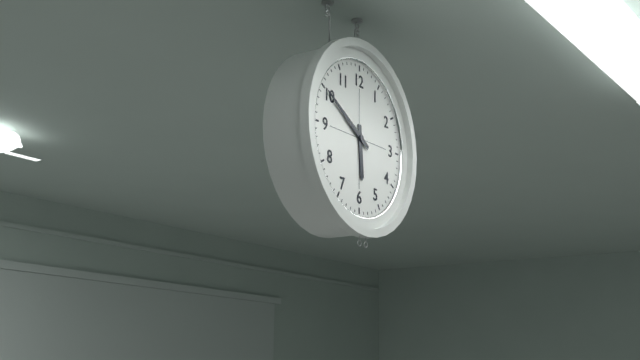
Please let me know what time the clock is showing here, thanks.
5:50
